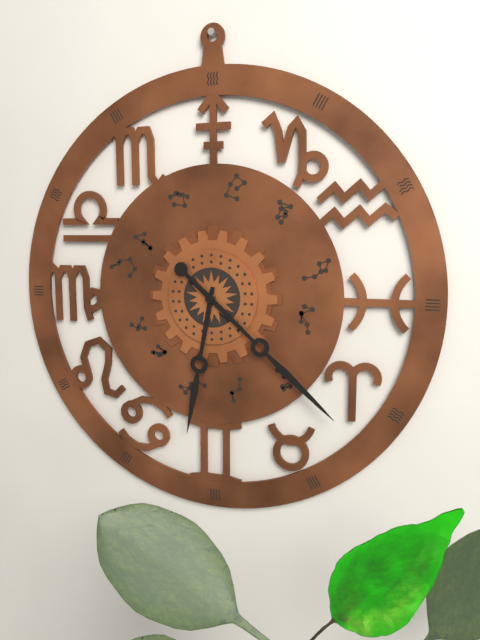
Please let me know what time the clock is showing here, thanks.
6:22
